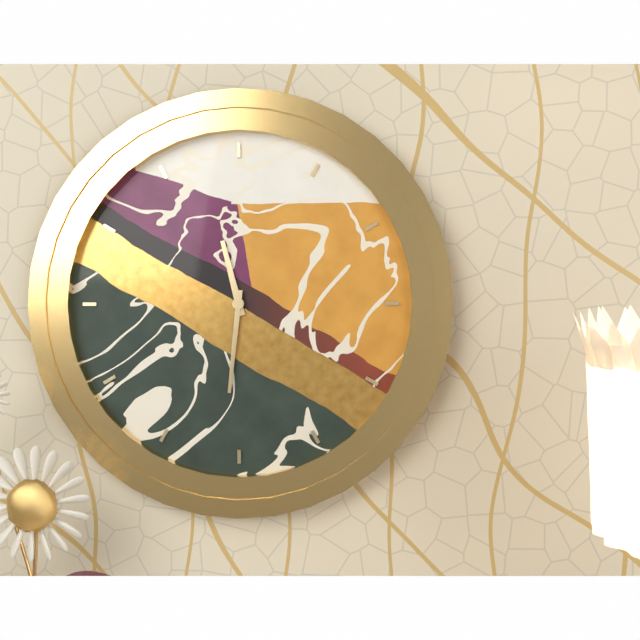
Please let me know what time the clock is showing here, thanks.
11:31
